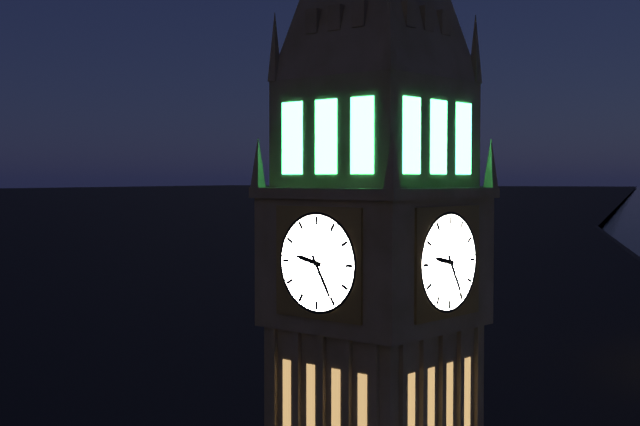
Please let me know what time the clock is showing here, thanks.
9:25
